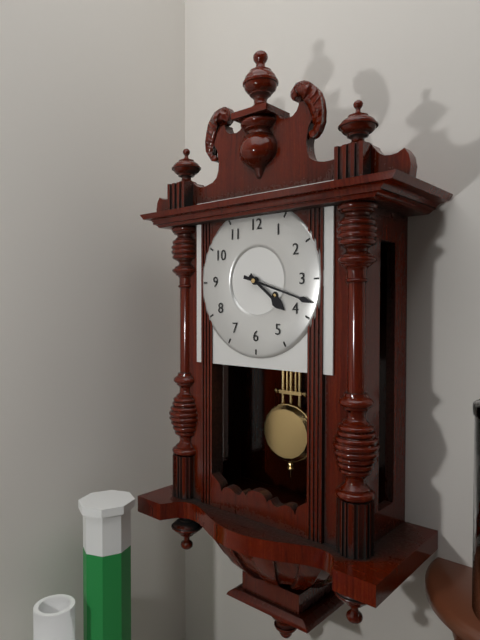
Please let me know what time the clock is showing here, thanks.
4:18
